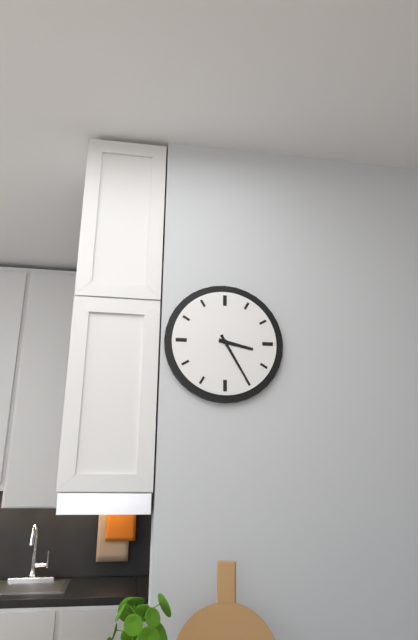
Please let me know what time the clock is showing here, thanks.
3:25
